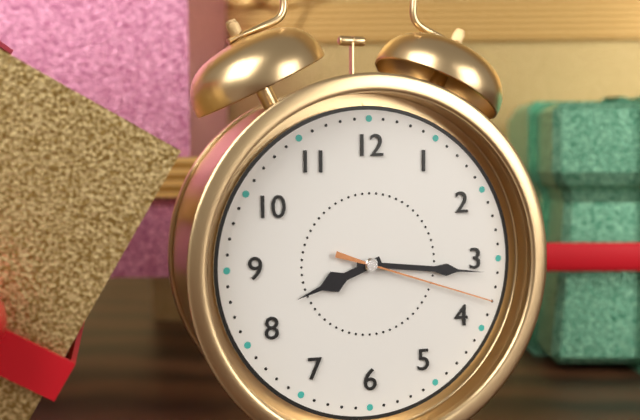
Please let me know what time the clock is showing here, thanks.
8:16:18
